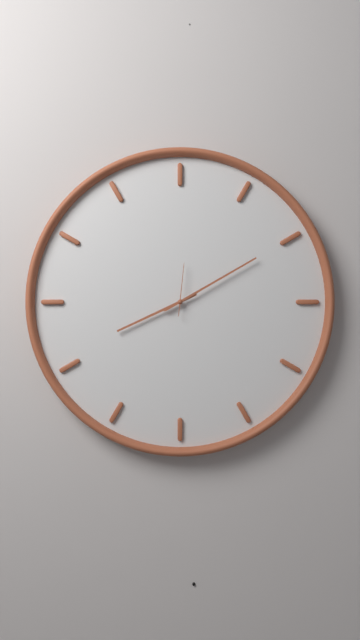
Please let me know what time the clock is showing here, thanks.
8:10
